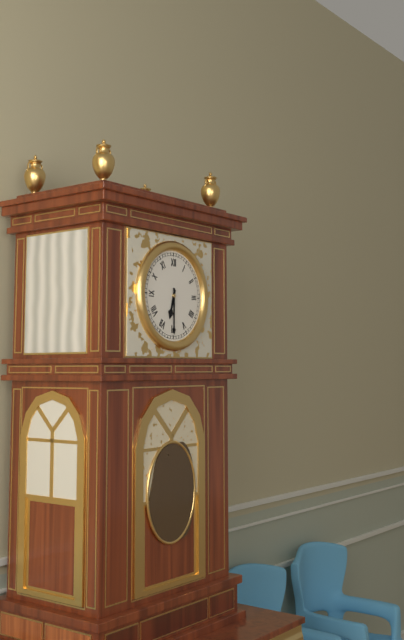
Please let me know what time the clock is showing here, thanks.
6:30
